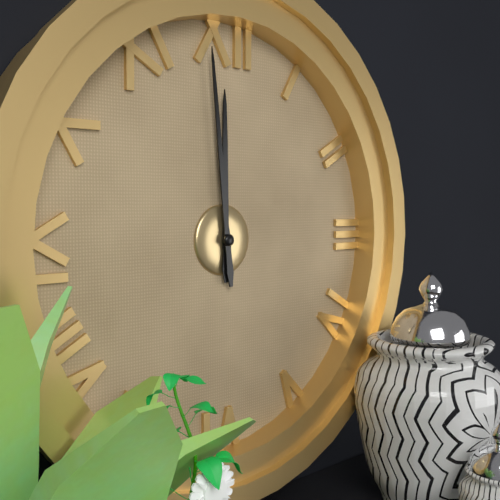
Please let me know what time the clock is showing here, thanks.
11:59
